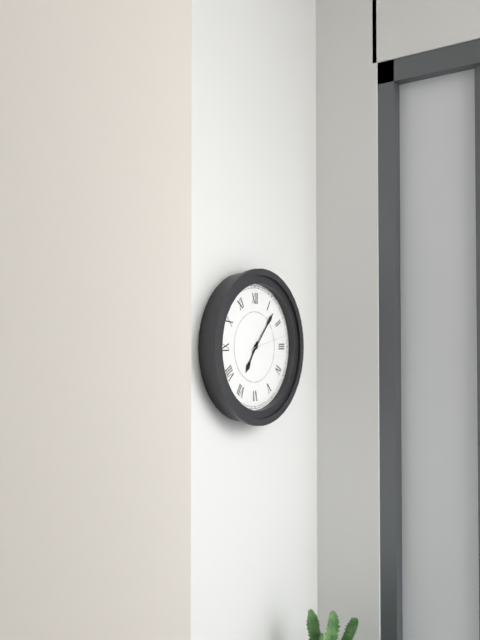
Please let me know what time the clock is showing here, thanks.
7:07
